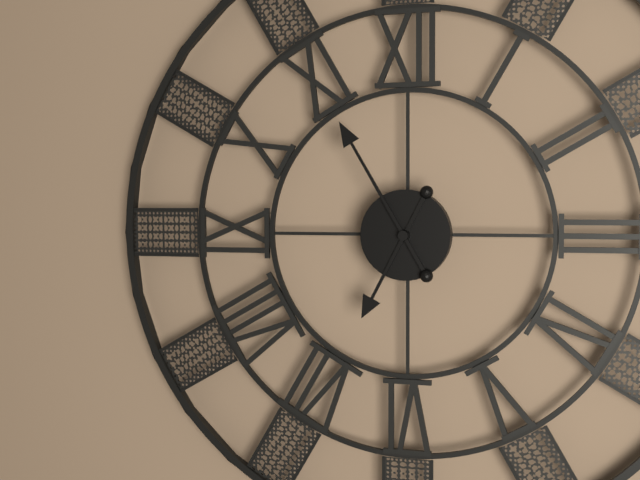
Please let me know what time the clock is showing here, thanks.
6:55
